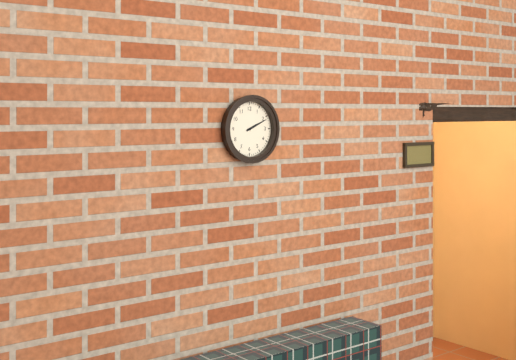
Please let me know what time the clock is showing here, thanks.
2:11
